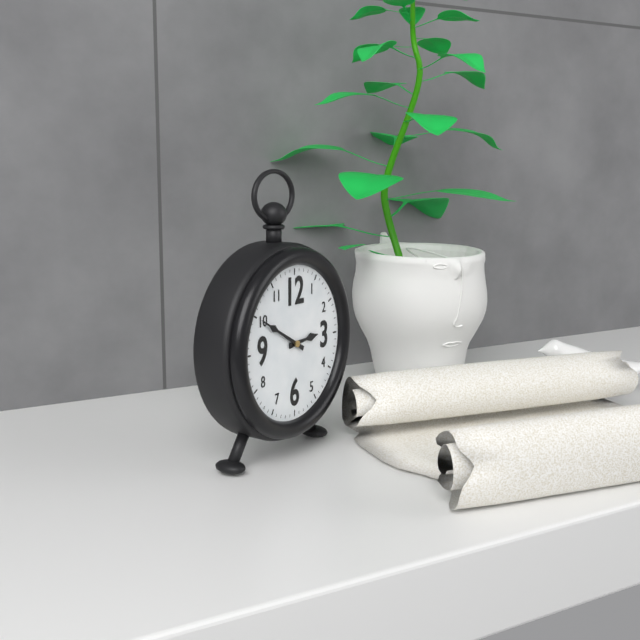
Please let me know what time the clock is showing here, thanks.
2:50
